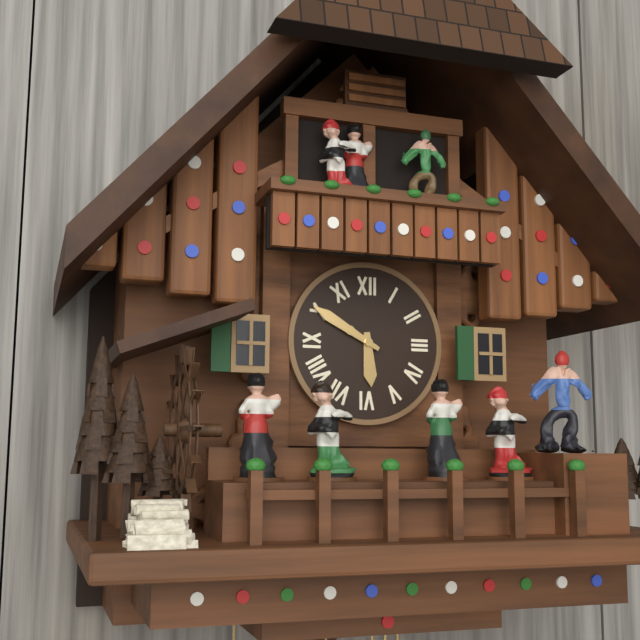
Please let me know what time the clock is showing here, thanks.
5:50
